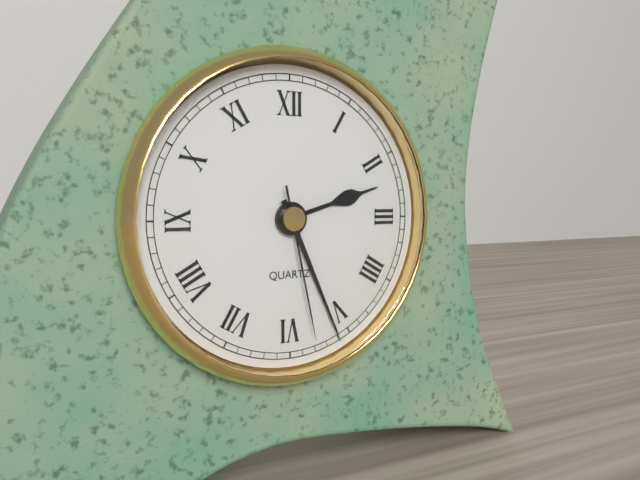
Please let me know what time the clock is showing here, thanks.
2:26:28
